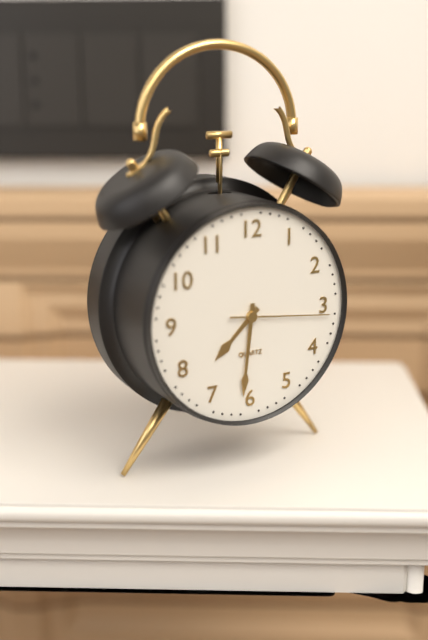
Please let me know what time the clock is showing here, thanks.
7:31:16
